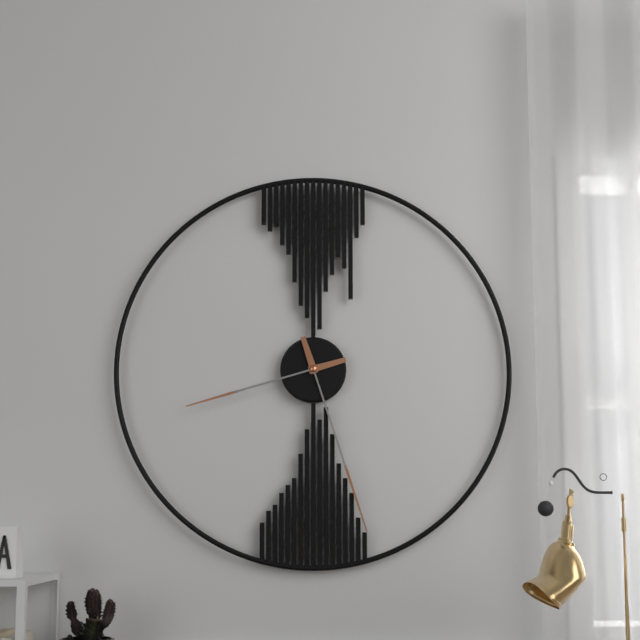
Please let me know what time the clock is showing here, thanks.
8:27
